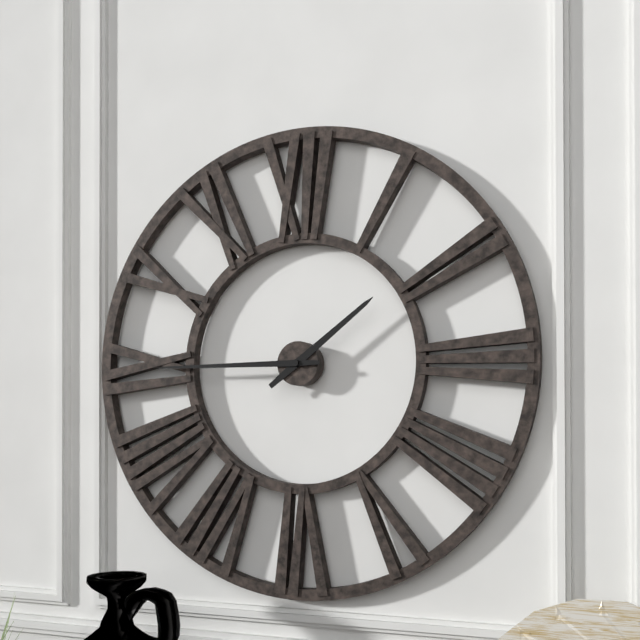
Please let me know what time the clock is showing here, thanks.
1:45
